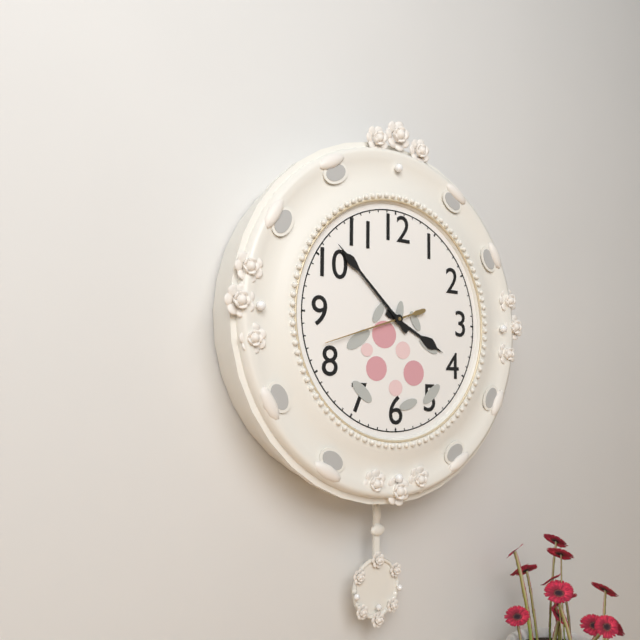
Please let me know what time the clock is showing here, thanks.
3:52:42
